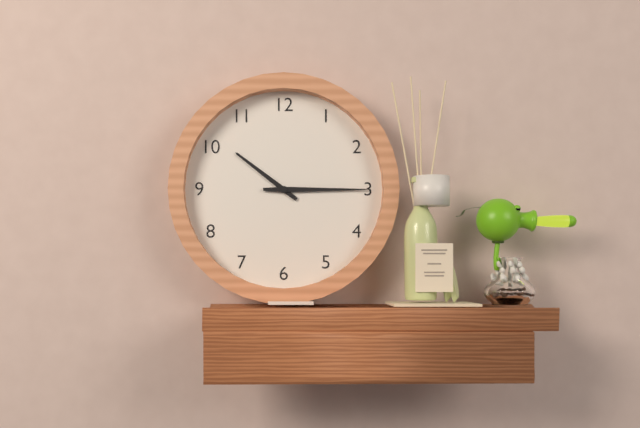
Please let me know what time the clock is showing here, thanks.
10:15
